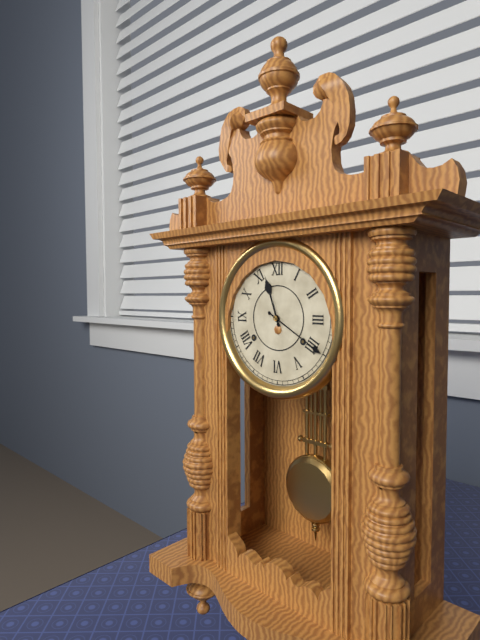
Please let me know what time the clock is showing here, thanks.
11:20
